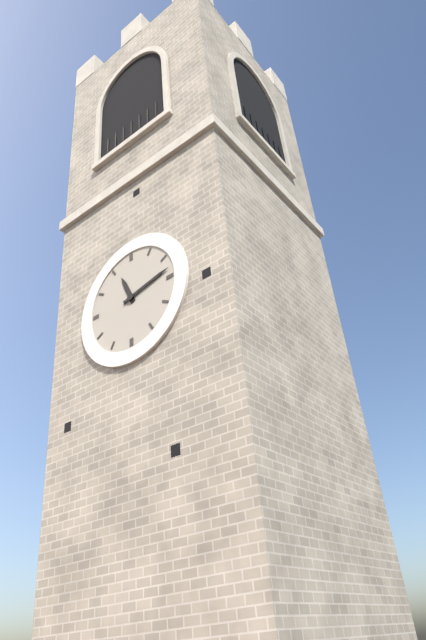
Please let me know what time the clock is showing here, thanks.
11:13
